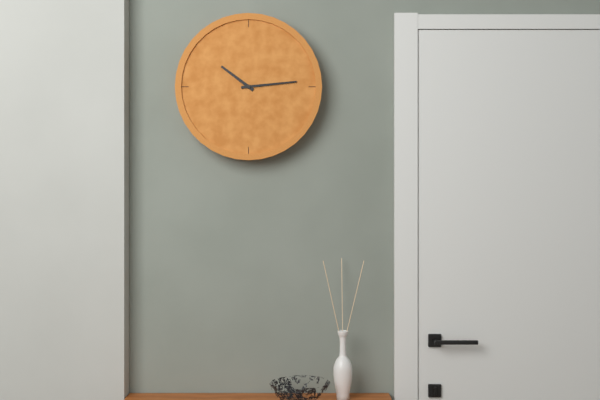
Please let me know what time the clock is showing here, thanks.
10:14
